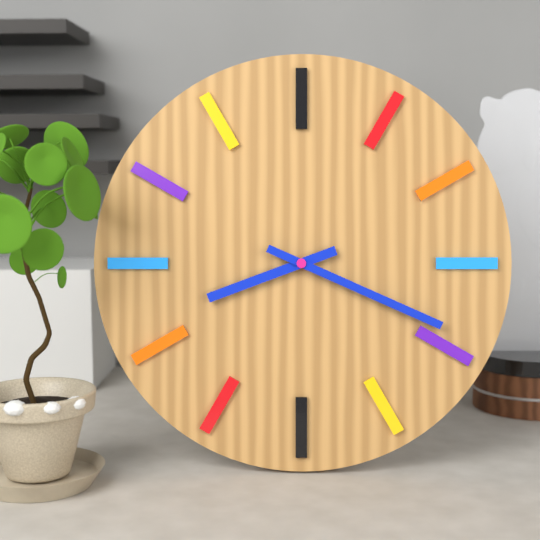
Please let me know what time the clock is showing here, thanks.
8:19
